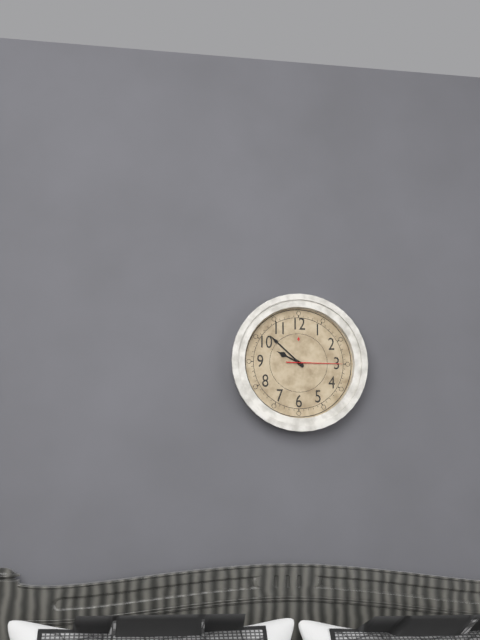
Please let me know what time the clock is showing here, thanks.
9:52:15
